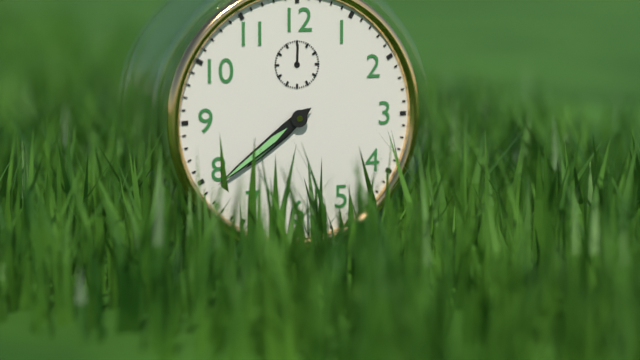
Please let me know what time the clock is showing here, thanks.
7:39
